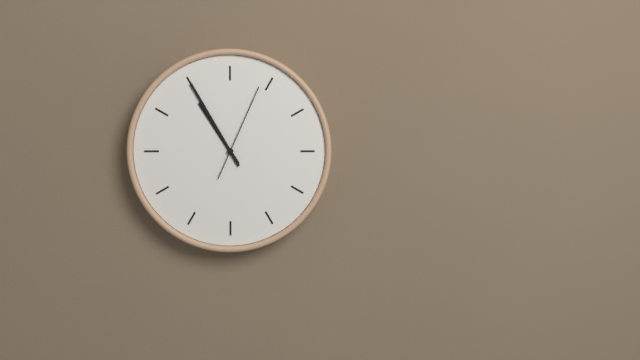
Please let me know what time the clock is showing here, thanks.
10:55:04
